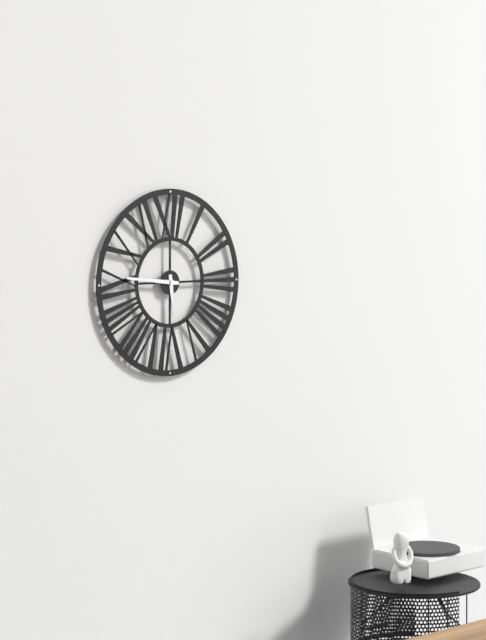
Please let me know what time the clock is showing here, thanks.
5:46
